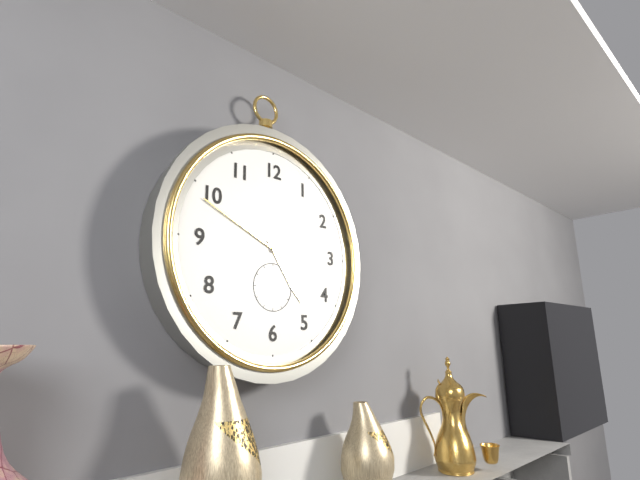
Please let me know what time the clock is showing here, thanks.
4:49
